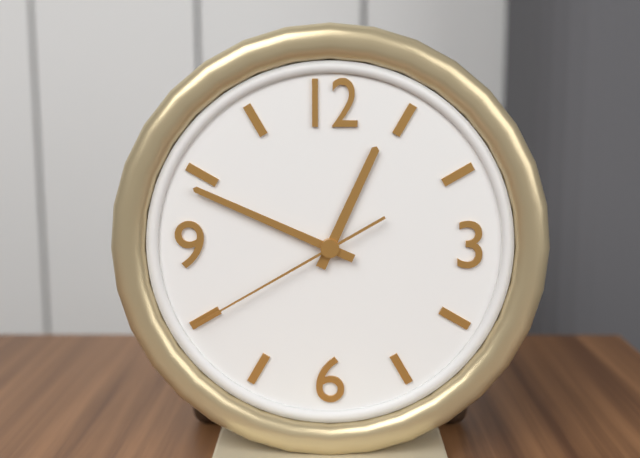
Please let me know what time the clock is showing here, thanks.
12:49:40
